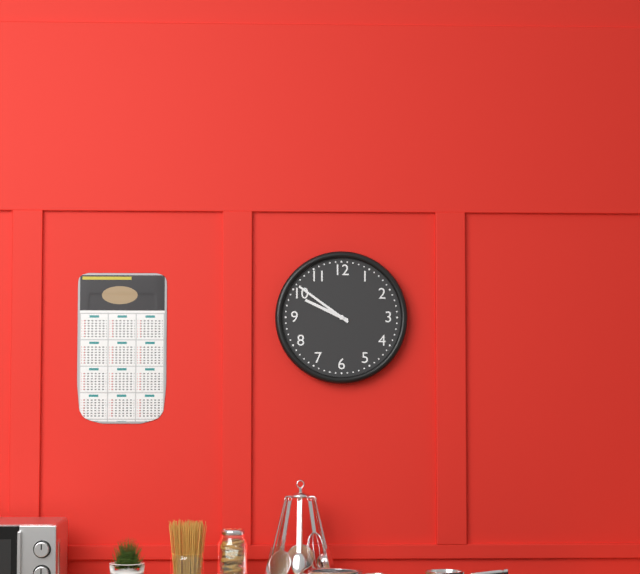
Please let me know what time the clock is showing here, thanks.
9:51
